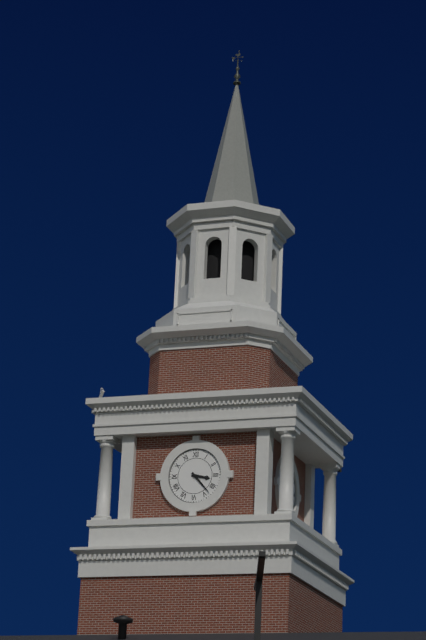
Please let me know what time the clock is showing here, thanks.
3:23
